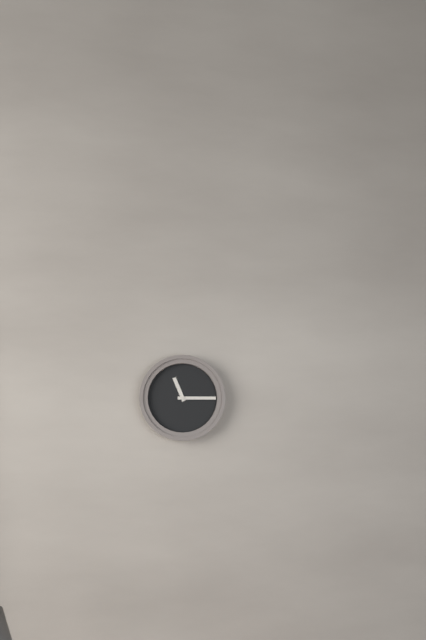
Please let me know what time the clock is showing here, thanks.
11:15
